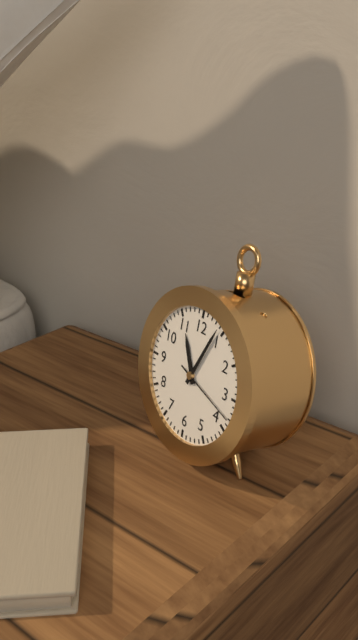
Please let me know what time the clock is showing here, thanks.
11:04:18
